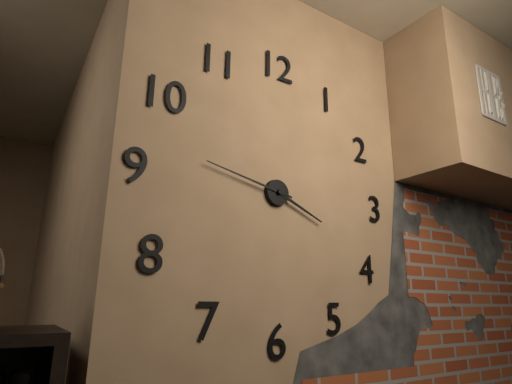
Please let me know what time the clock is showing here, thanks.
3:47
